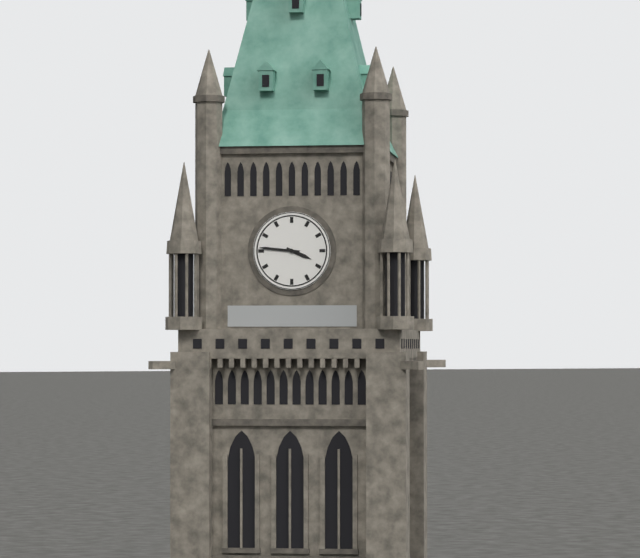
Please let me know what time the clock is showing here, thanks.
3:46
